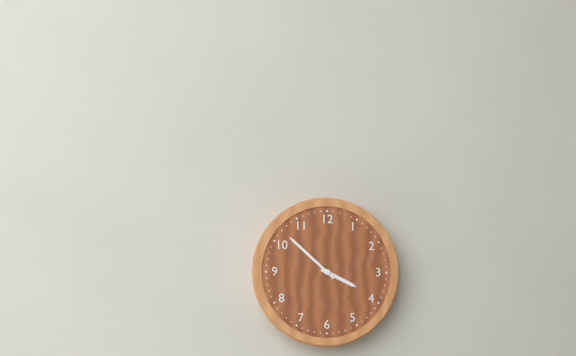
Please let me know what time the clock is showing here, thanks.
3:52
